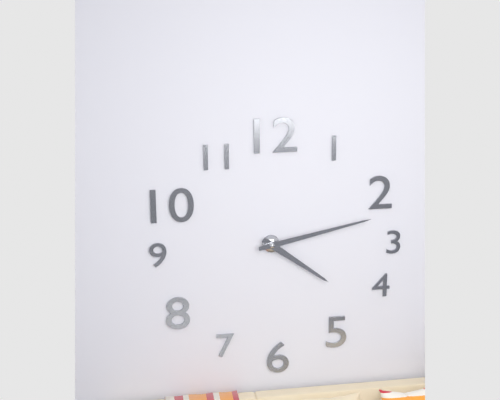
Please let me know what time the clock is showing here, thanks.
4:13
